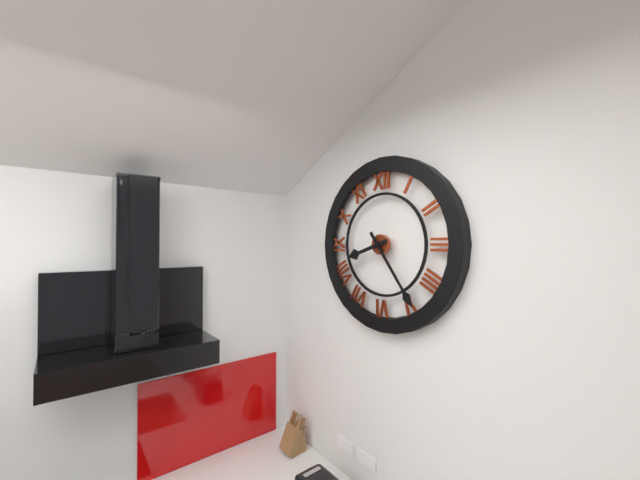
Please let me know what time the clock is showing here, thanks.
8:24
